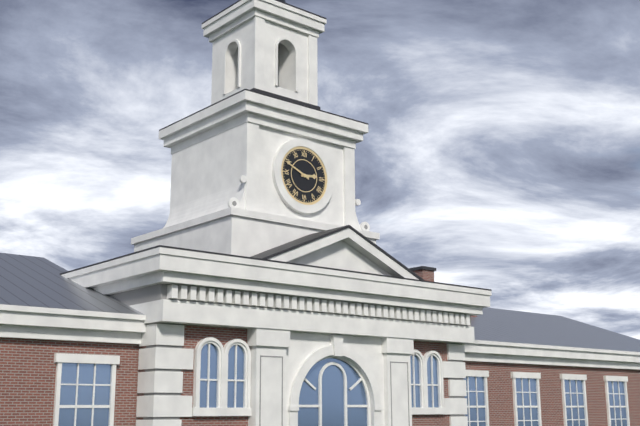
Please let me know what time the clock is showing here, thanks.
2:49
